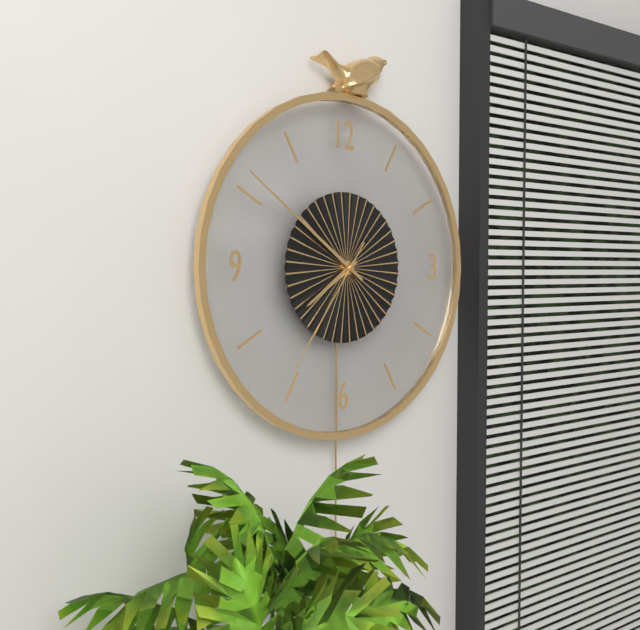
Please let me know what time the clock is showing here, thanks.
7:51:36
